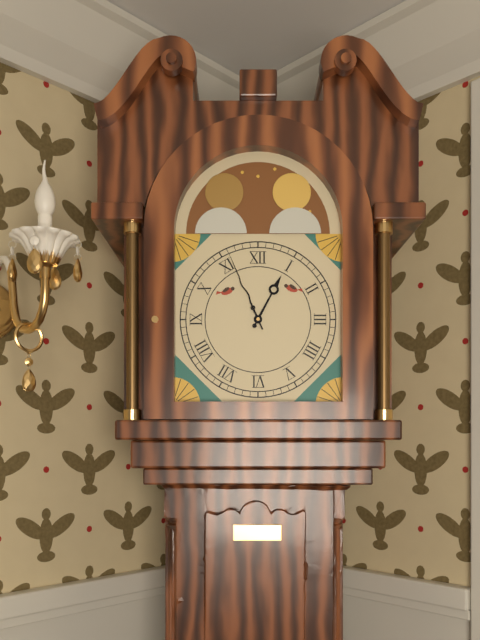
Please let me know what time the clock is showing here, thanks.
12:56
